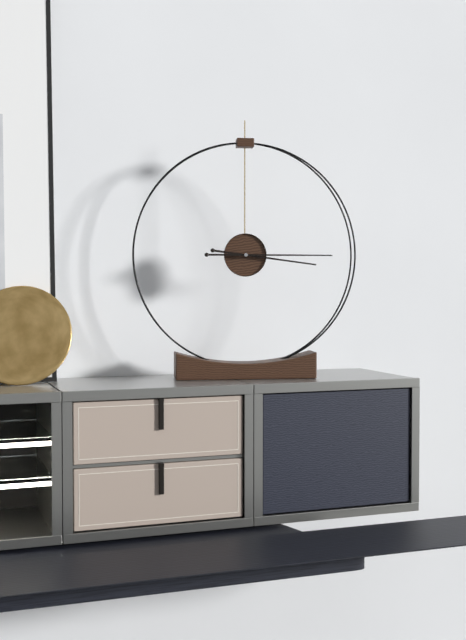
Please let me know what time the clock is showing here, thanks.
3:15
